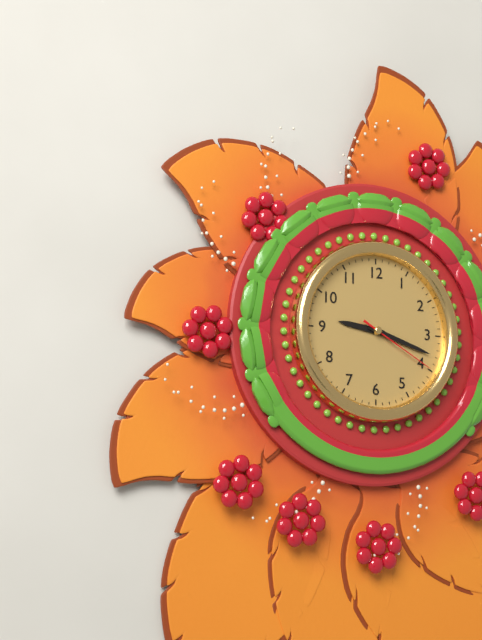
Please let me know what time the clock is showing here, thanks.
9:18:20
